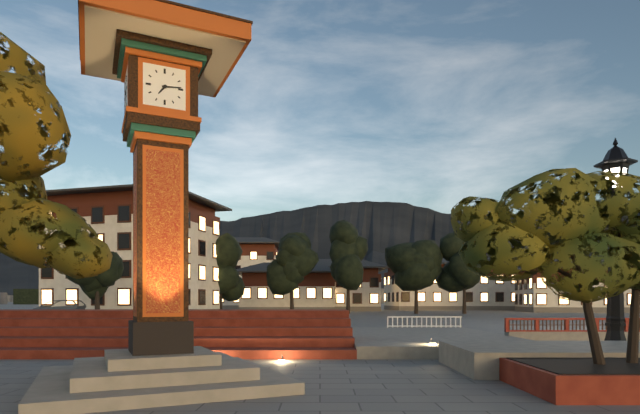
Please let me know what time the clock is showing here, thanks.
7:14
